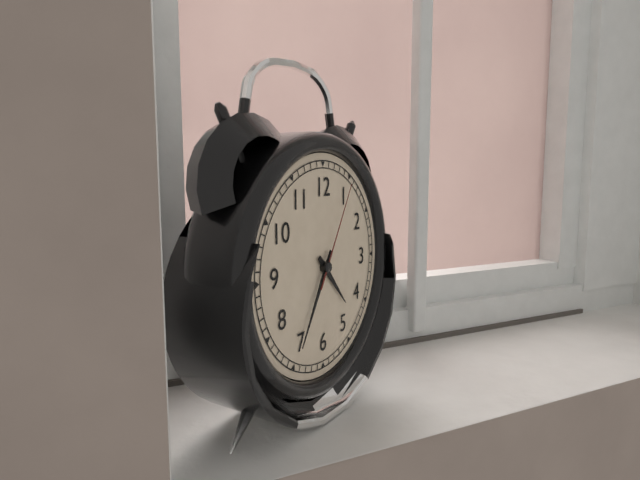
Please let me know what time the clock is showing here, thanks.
4:35:05
